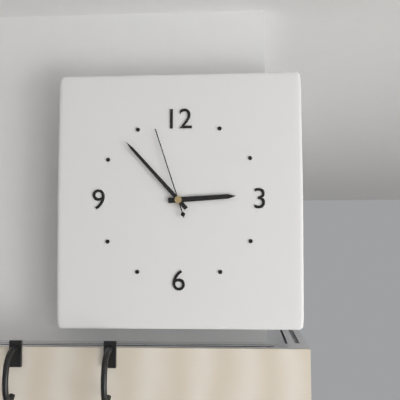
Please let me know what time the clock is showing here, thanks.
2:53:57
